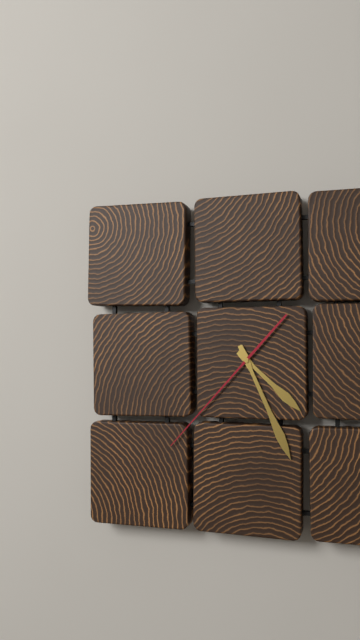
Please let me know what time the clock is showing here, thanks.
4:26:37
